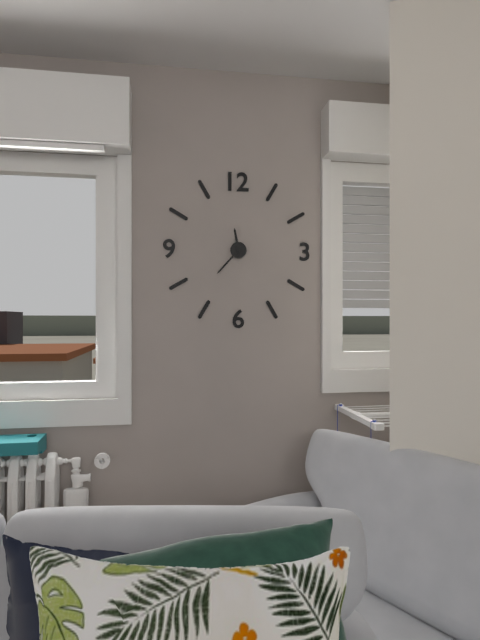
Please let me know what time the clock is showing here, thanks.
11:37
